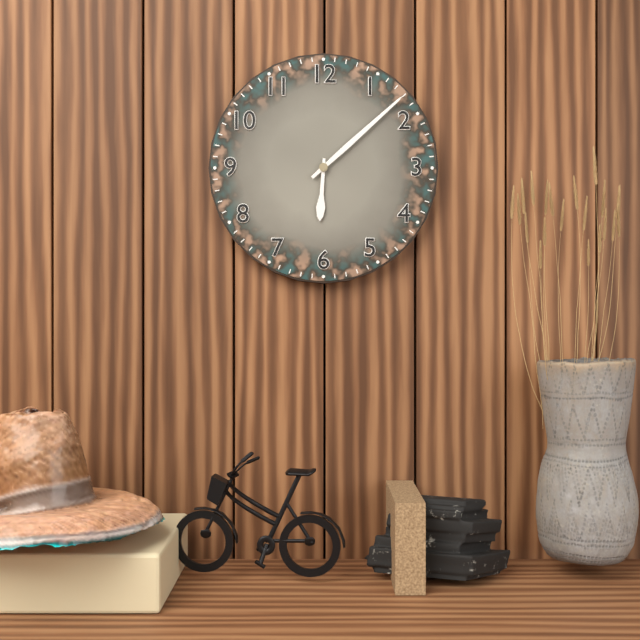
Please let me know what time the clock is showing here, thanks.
6:08
